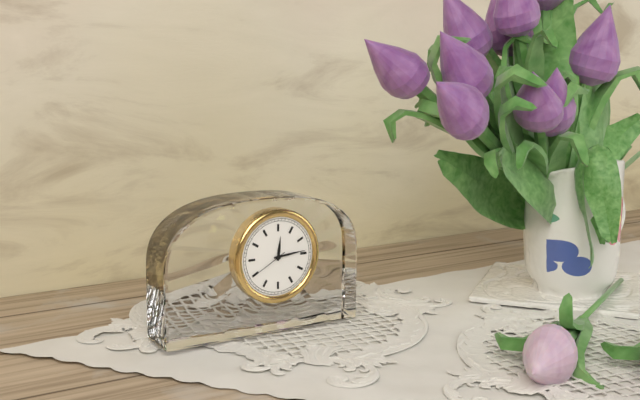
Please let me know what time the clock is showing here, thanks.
12:14
